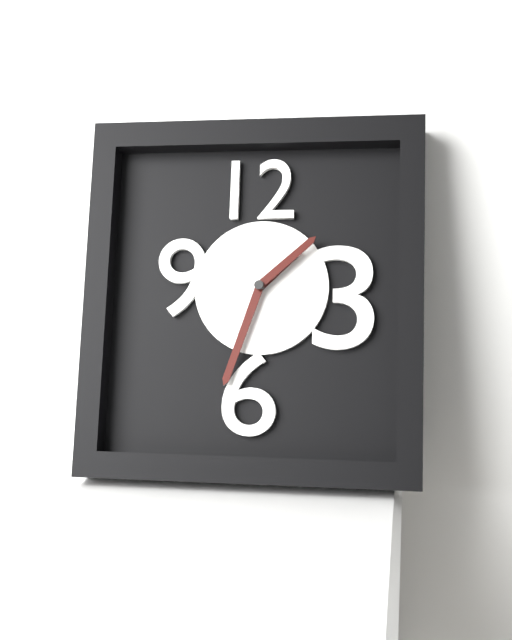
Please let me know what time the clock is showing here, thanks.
1:33:08
